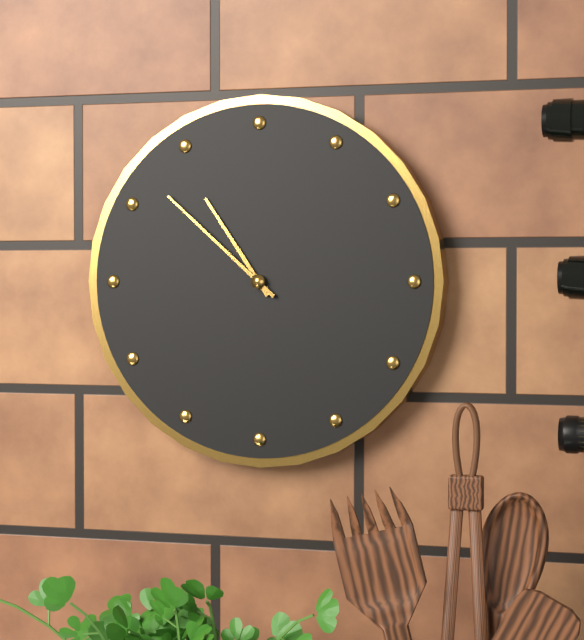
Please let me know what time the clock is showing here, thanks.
10:52
